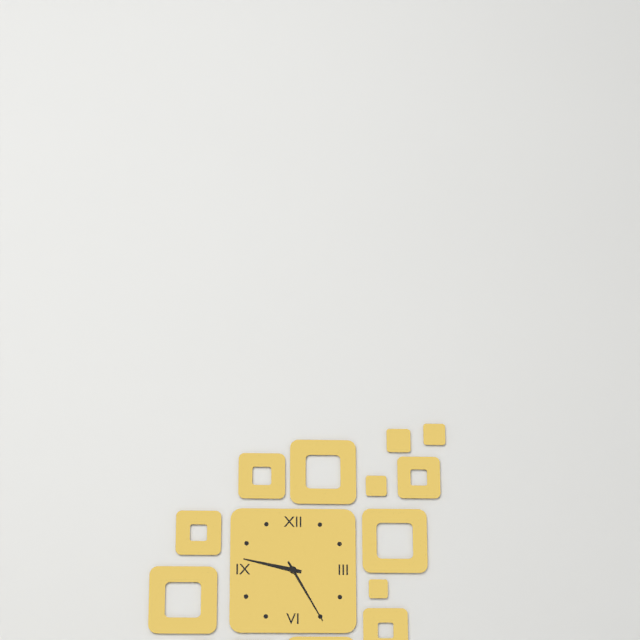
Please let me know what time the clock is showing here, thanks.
9:25
